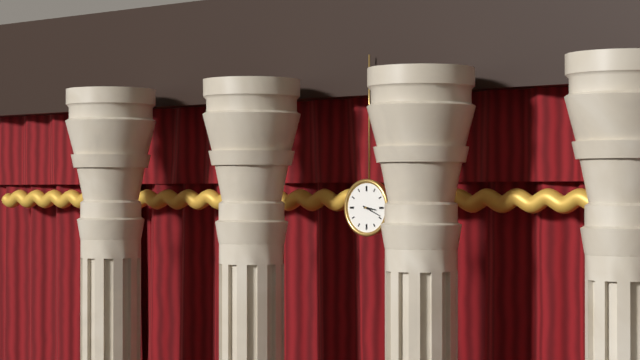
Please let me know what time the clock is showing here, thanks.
3:19
